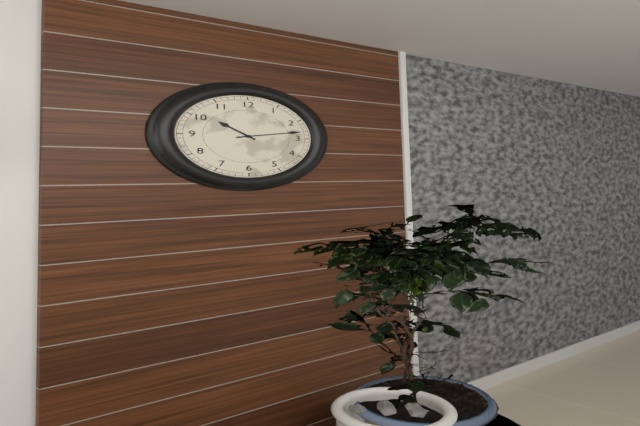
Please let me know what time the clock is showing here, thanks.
10:13
